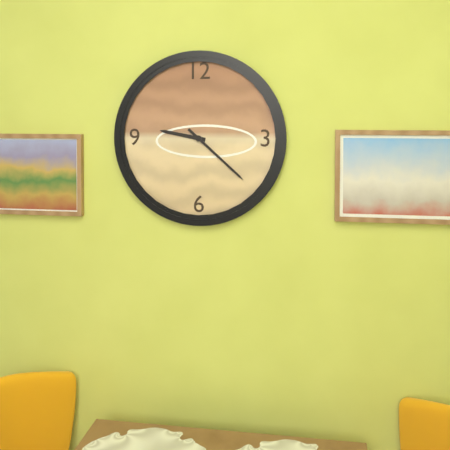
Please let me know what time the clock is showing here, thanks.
9:22
